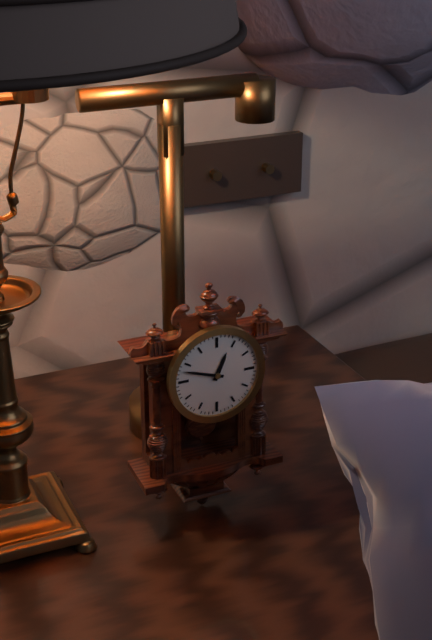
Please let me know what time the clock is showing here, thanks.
12:48
